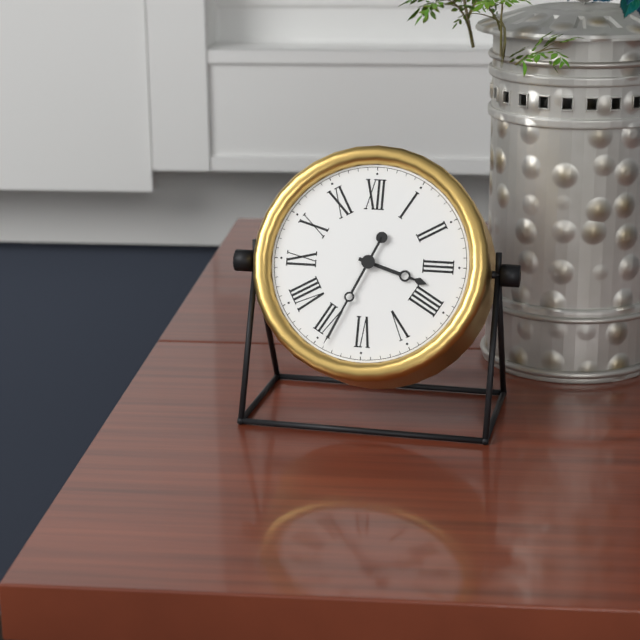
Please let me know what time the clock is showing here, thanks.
3:34
